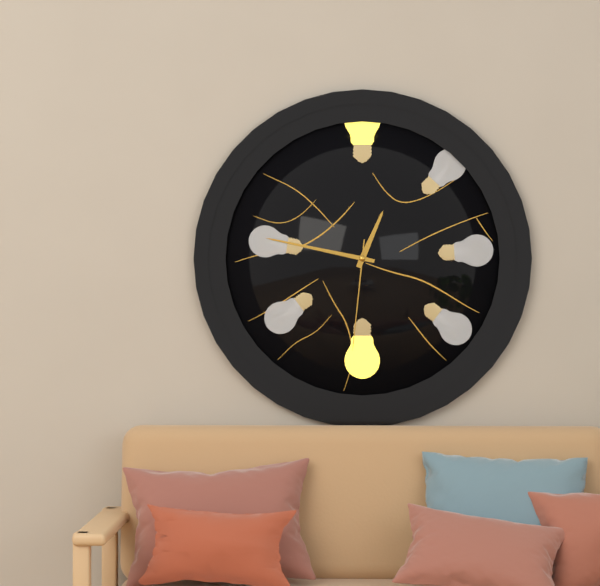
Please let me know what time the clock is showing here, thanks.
12:47:31
